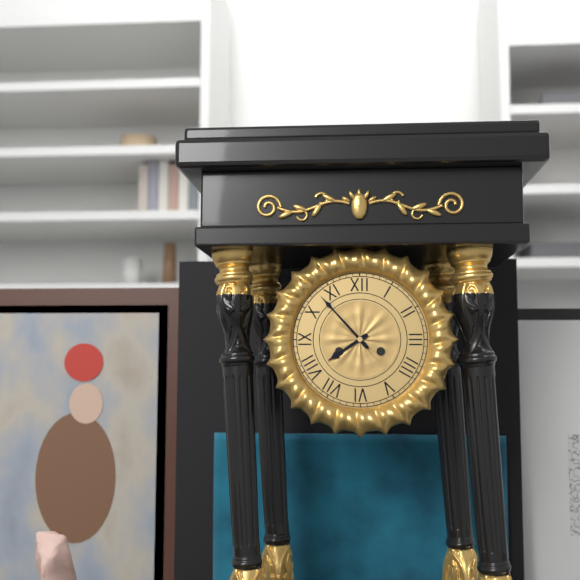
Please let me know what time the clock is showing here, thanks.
7:53
